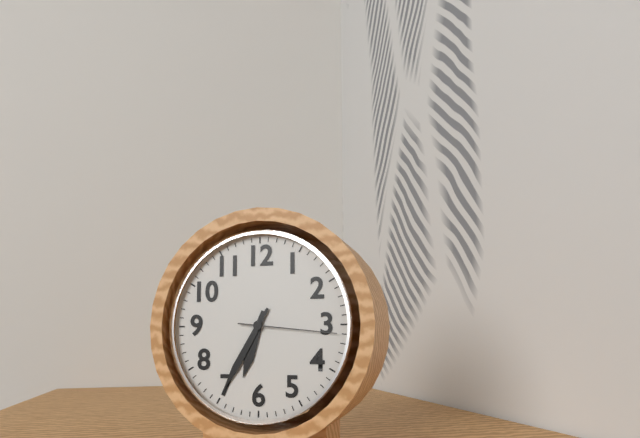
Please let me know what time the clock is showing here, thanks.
6:35:16
